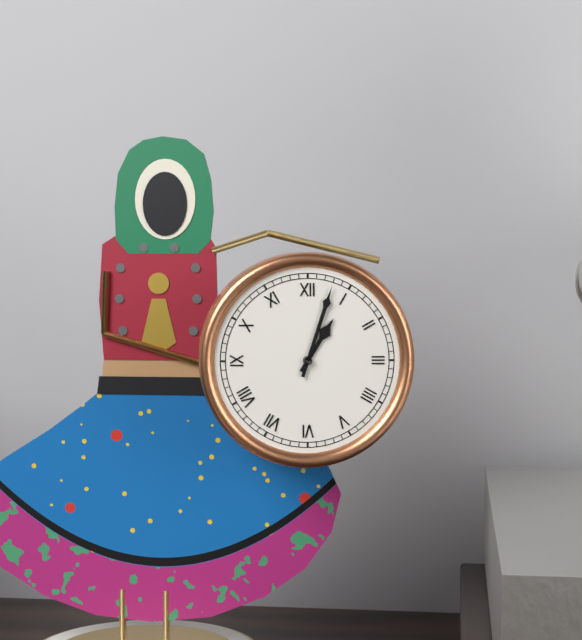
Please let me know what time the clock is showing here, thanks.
1:03
